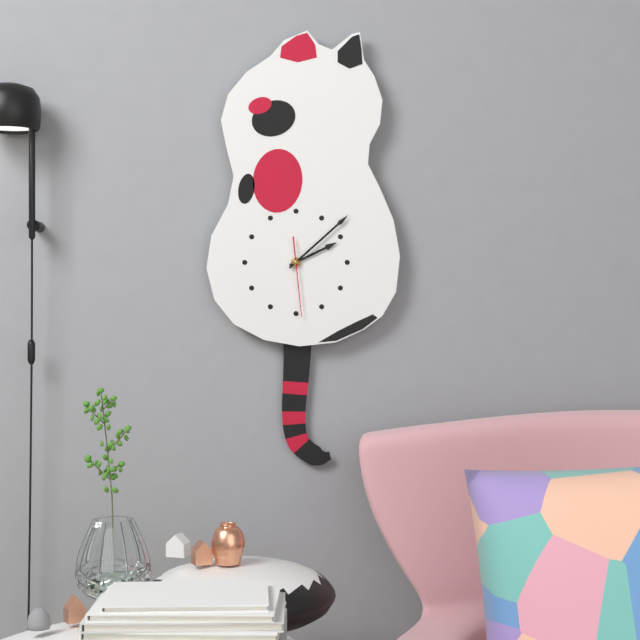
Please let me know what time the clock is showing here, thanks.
2:08:29
